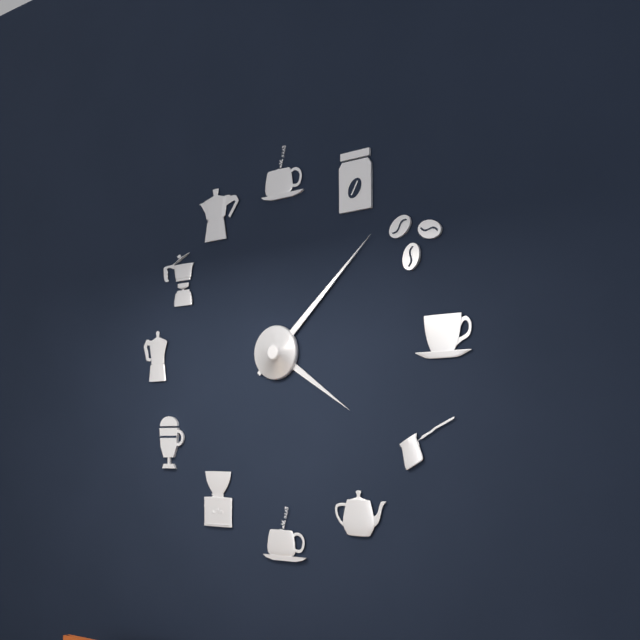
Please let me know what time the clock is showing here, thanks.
4:08
